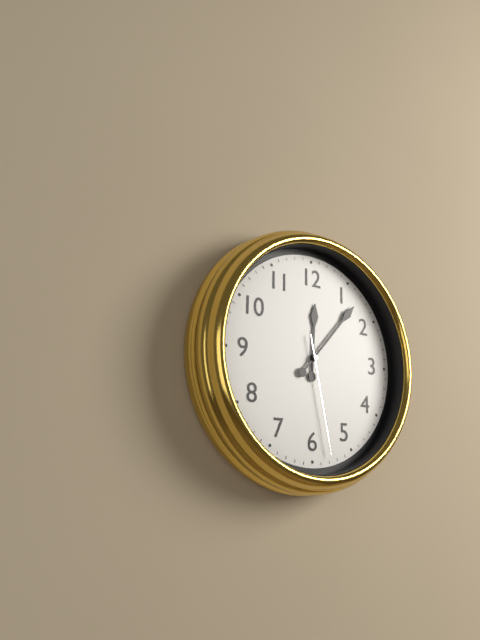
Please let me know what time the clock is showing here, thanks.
12:07:28
